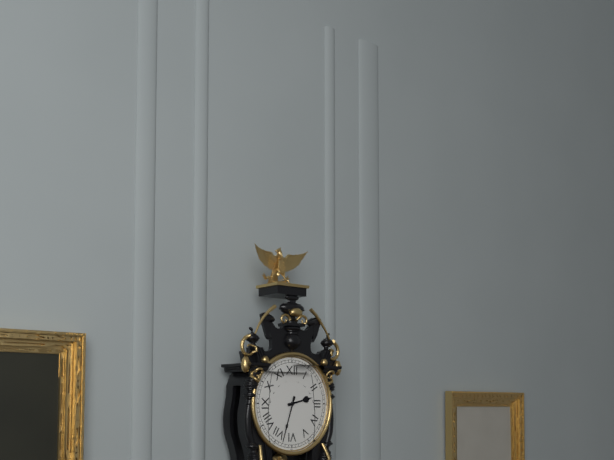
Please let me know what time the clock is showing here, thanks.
2:33
